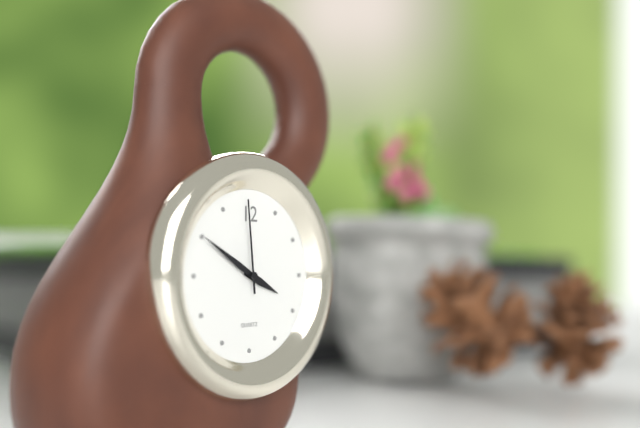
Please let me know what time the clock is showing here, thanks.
3:50:59
